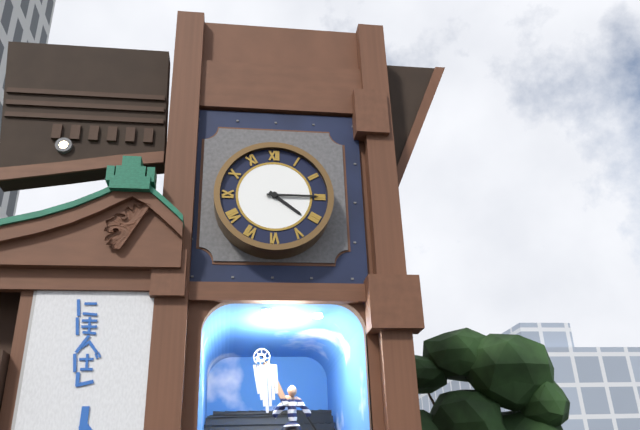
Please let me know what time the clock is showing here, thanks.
4:15
